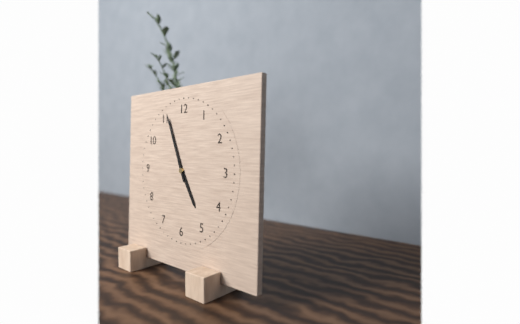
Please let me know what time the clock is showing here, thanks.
4:56
